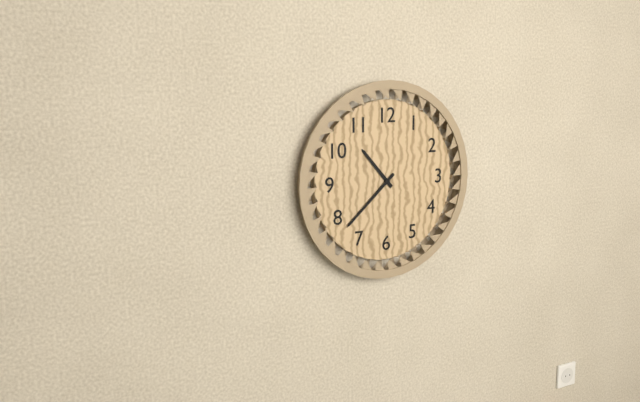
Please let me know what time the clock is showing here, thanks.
10:38
